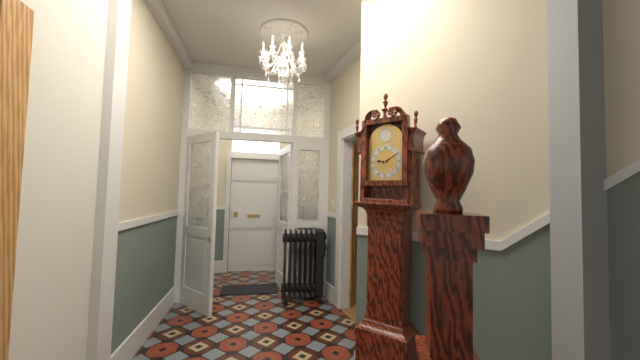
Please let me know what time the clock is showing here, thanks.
9:10
